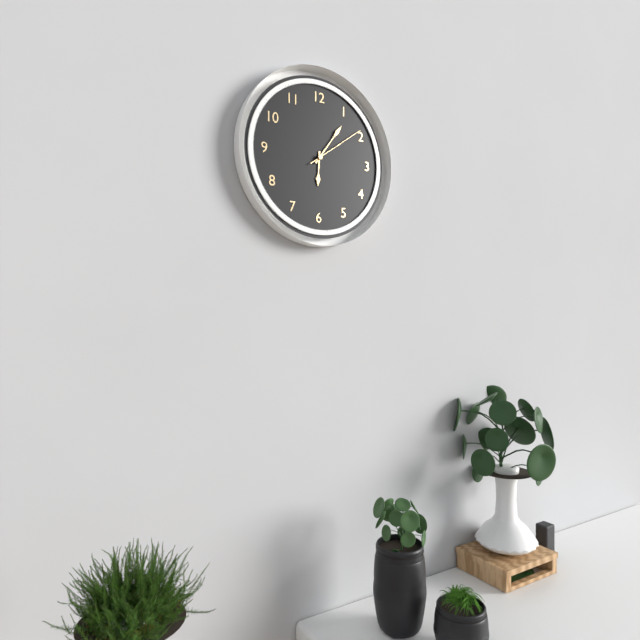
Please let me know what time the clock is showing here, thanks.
6:06:09
